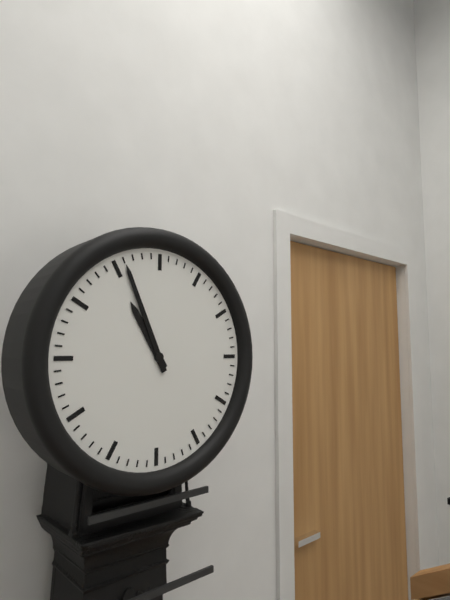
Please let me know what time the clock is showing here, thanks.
10:56
